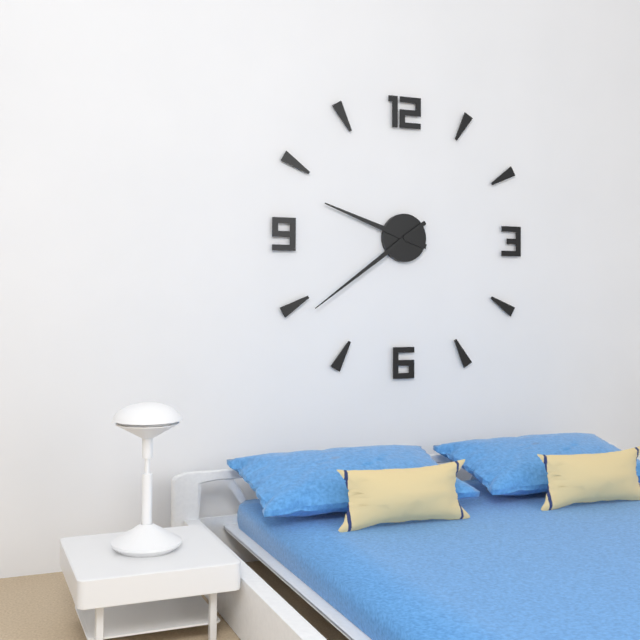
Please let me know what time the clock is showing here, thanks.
9:39
